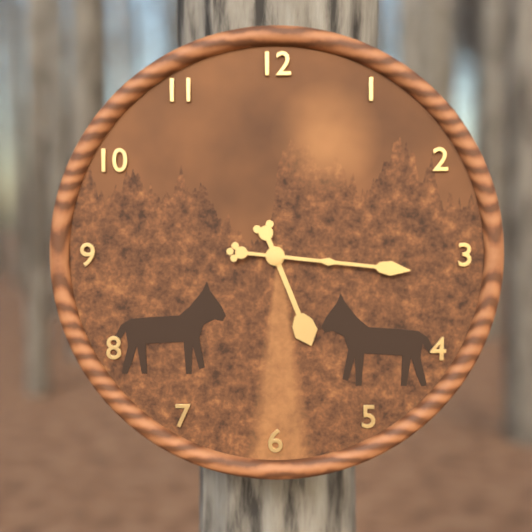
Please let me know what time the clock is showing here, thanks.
5:16
